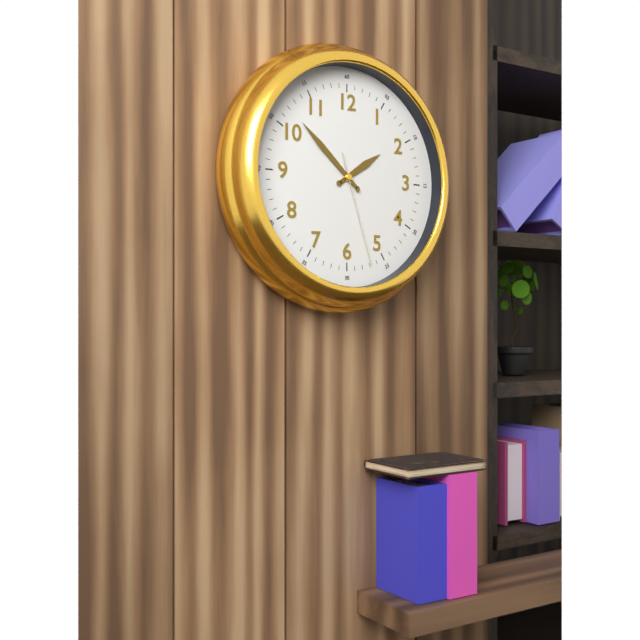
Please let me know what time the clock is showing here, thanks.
1:52:27
